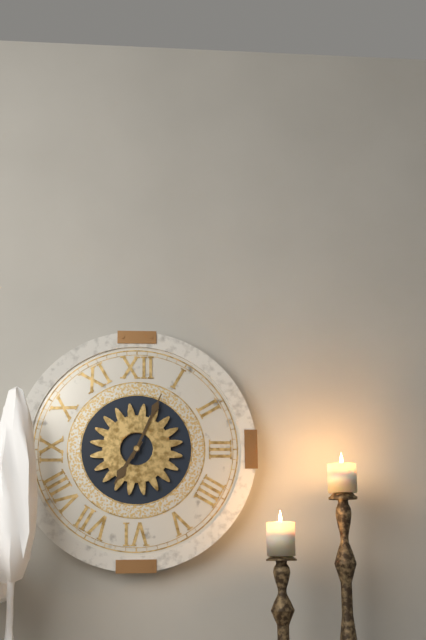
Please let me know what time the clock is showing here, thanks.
7:04
